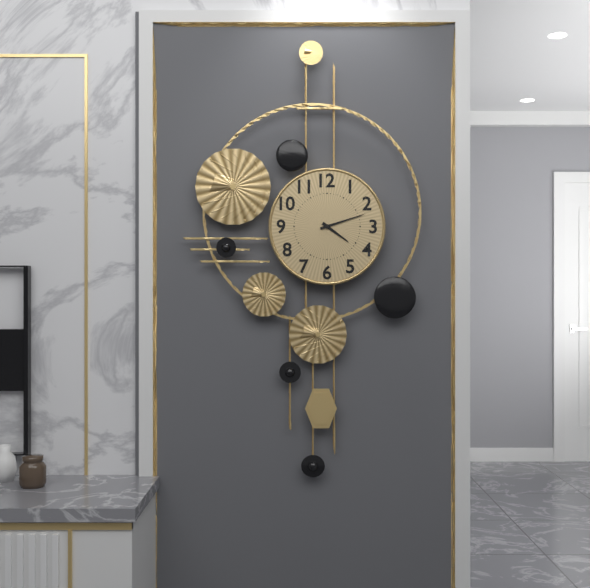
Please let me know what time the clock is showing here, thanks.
4:12
